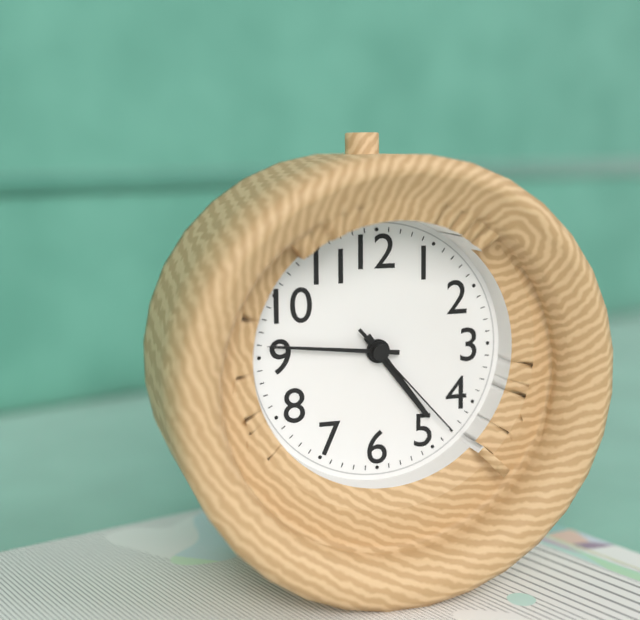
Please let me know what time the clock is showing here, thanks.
4:46:23
